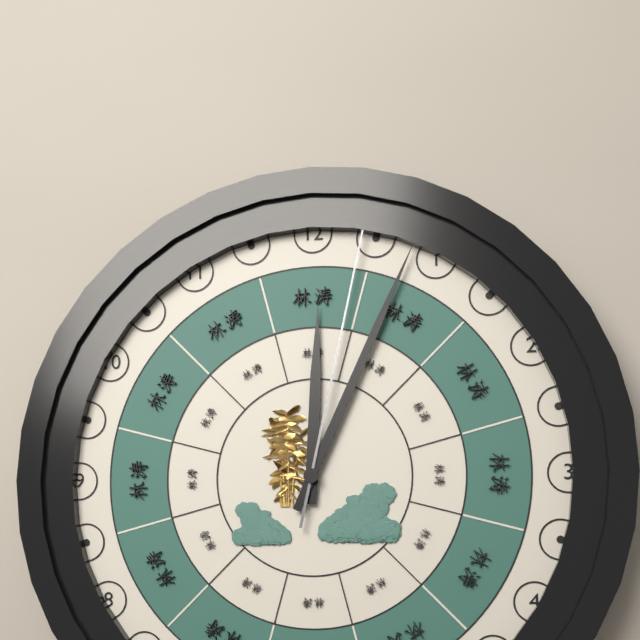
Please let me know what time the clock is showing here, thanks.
12:04:02
